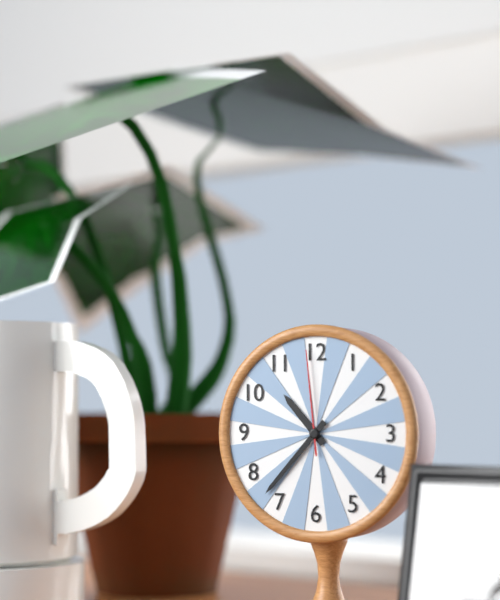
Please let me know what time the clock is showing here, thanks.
10:37:59
